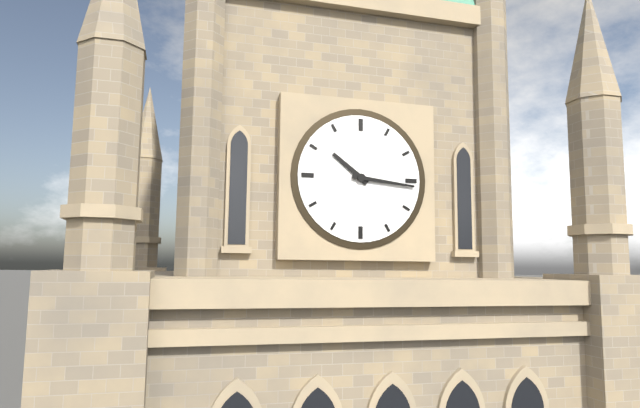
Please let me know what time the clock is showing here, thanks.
10:16
